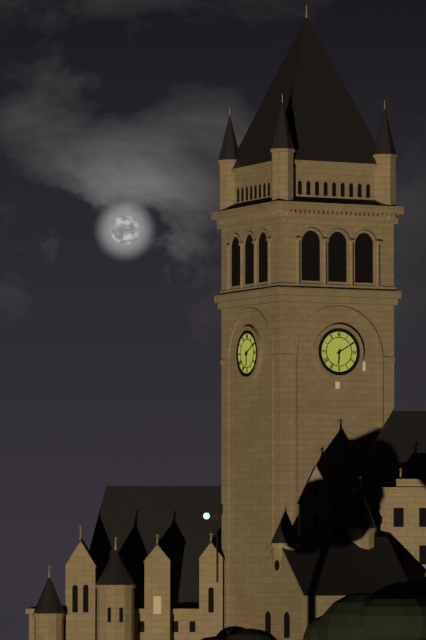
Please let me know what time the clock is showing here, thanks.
6:10
